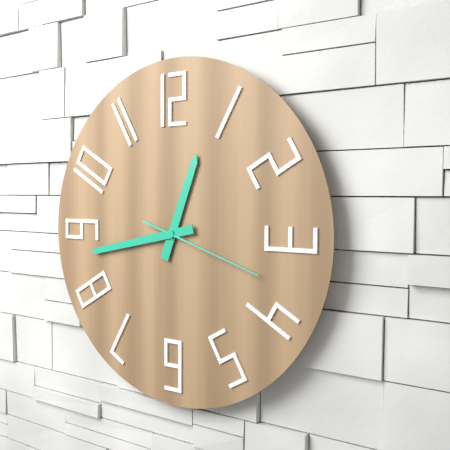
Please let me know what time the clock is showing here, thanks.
12:43:18
